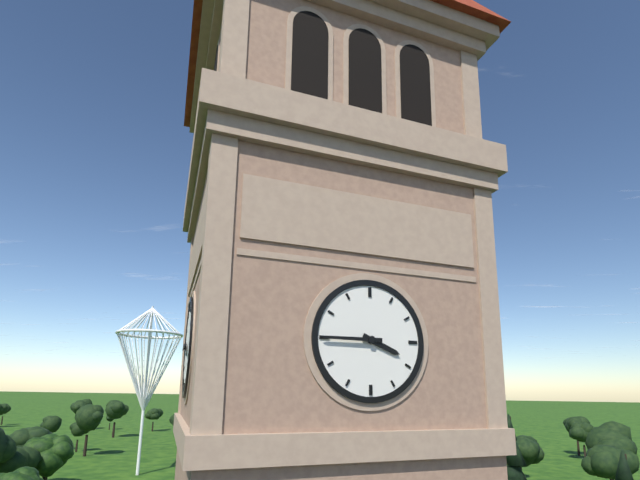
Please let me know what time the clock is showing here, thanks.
3:45
